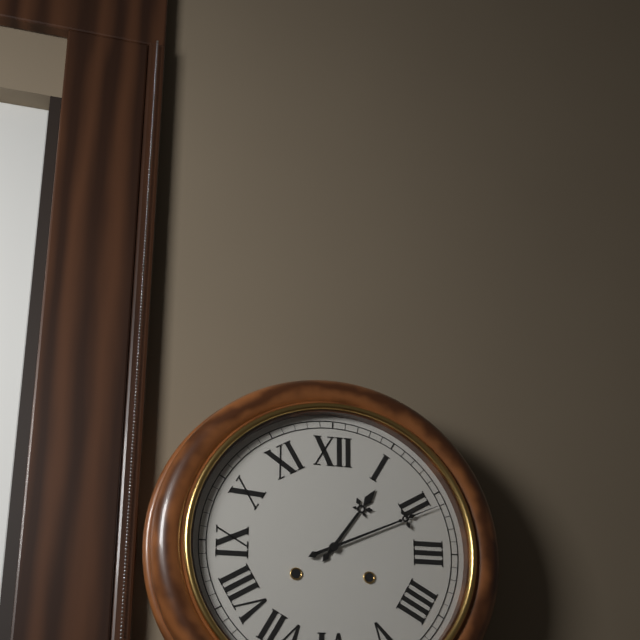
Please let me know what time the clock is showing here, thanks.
1:11
